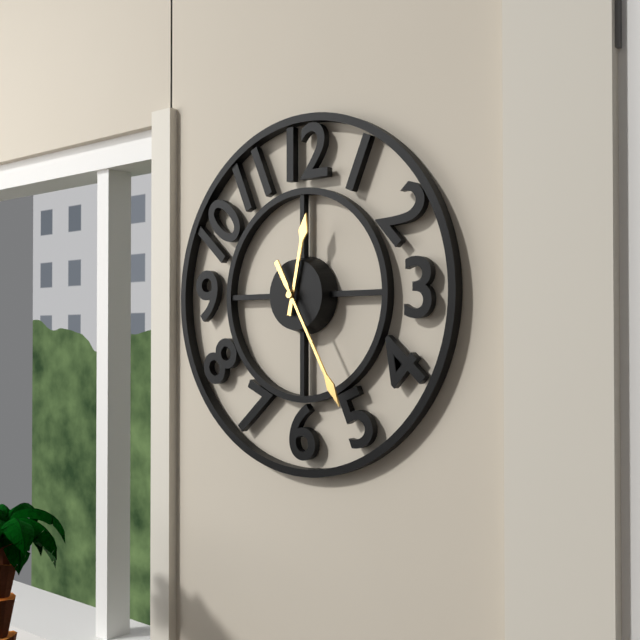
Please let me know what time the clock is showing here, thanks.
12:25
